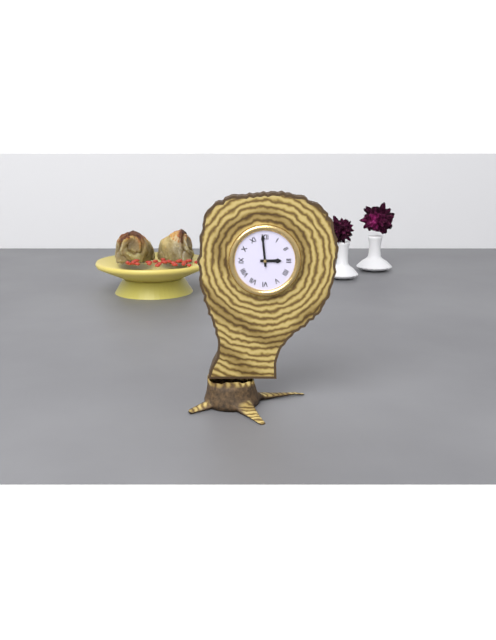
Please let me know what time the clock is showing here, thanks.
2:59
